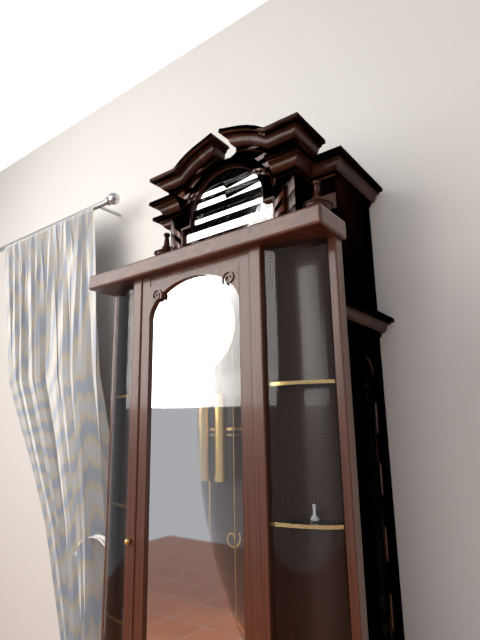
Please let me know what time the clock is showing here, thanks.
6:59
